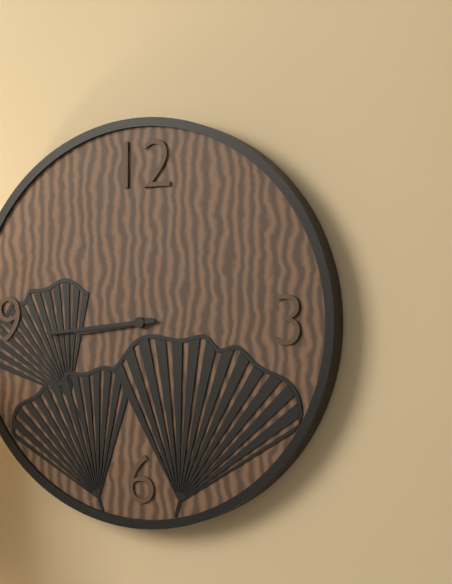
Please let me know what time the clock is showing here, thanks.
8:44
